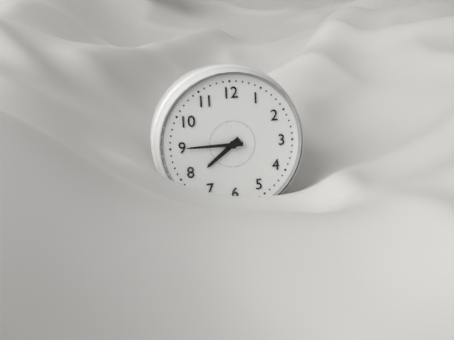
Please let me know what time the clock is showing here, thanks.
7:45
